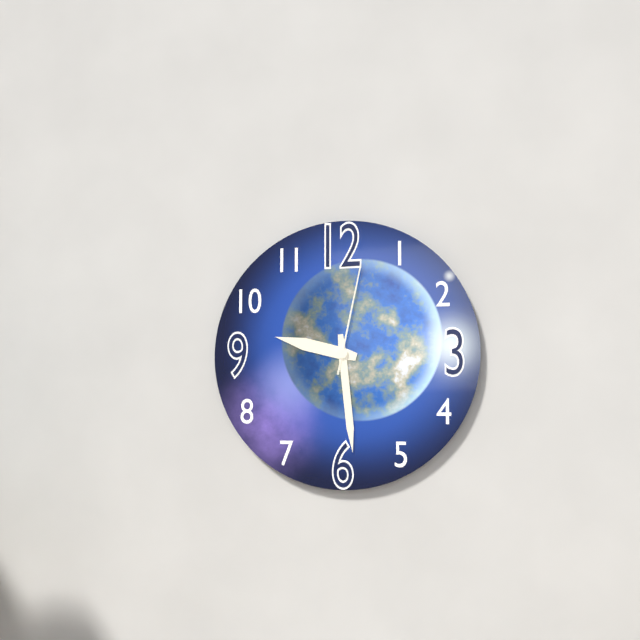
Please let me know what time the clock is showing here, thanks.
9:29:02
